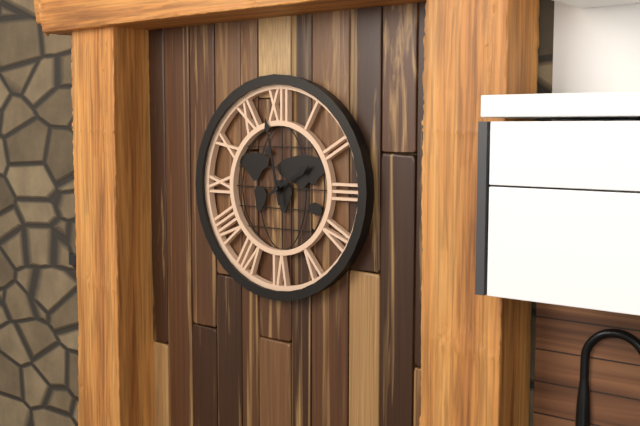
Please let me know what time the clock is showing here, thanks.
1:58
